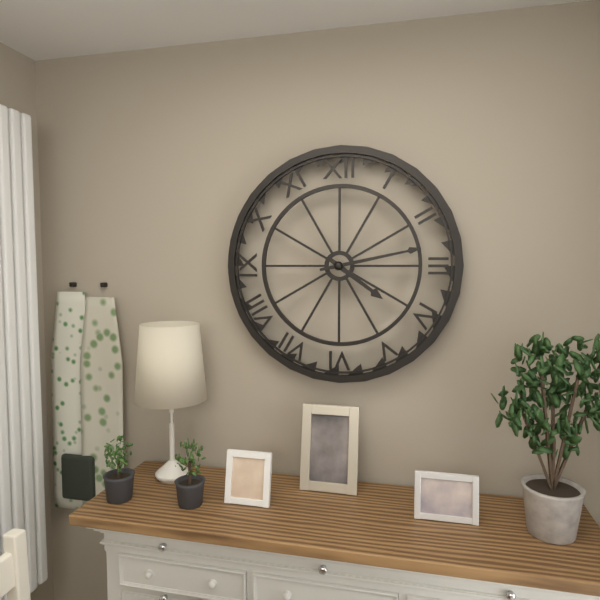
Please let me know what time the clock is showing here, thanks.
4:13
